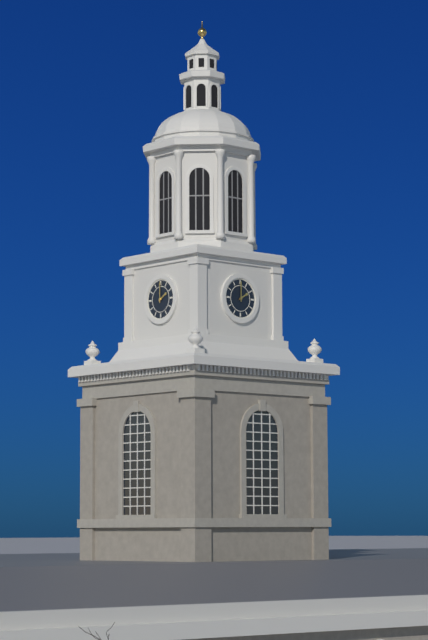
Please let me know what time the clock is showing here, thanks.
2:00
